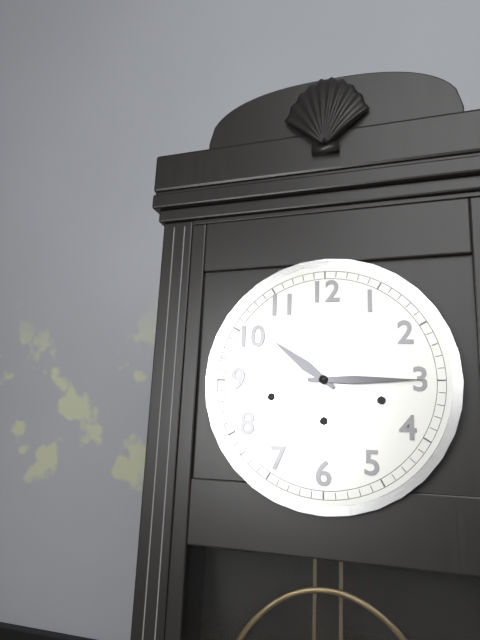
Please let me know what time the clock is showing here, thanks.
10:15
